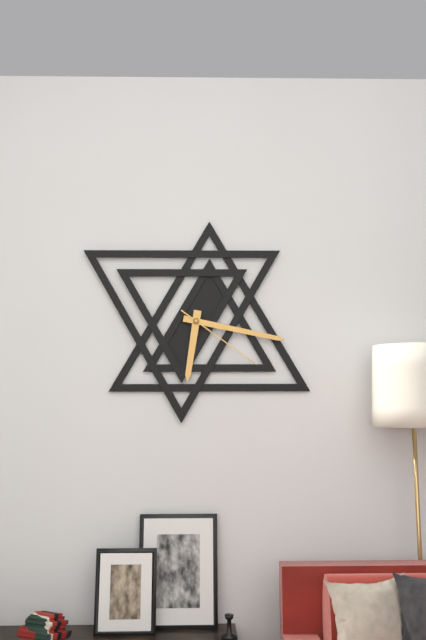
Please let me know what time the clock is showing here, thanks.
6:17:21
